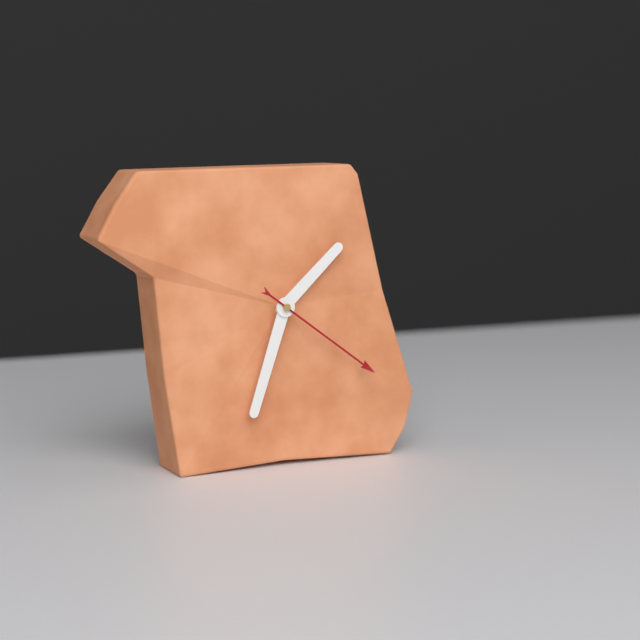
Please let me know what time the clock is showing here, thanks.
1:33:21
